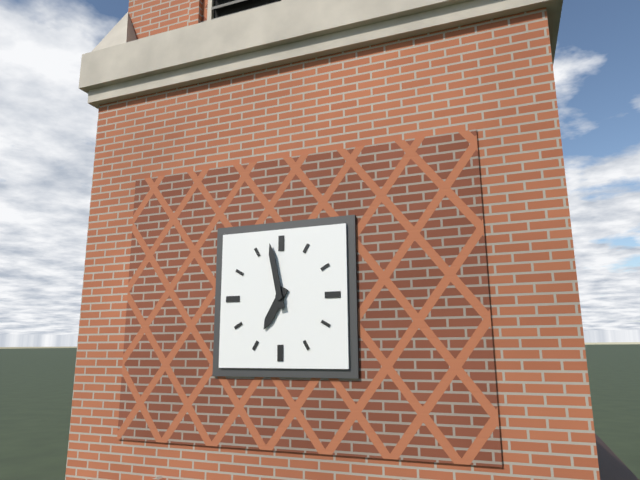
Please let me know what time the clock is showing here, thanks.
6:58
